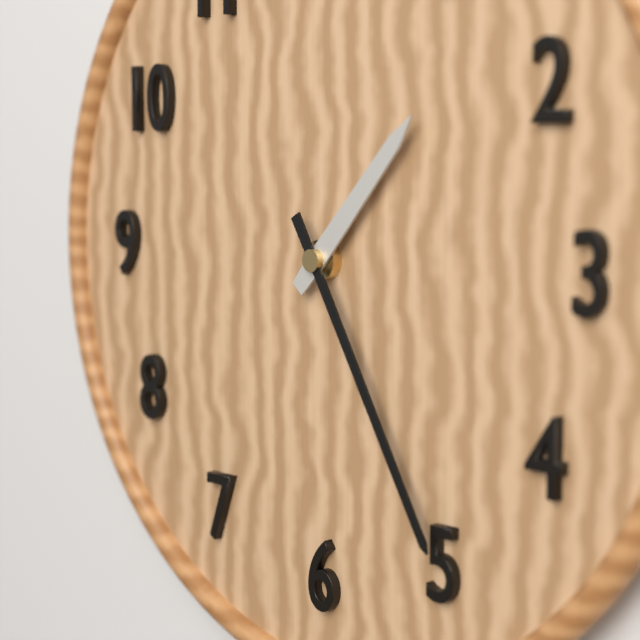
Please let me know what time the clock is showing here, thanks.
1:25
